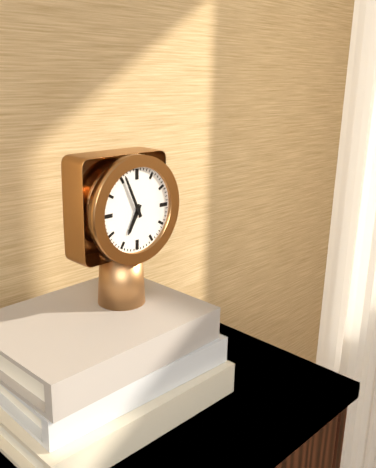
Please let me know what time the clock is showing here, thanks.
6:56
